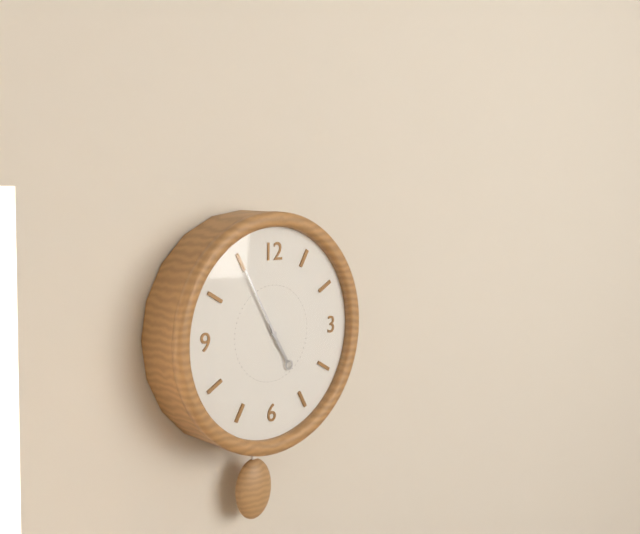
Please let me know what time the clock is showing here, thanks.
4:55
